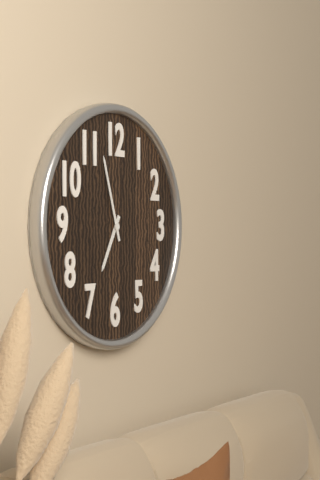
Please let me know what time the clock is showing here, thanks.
6:57
